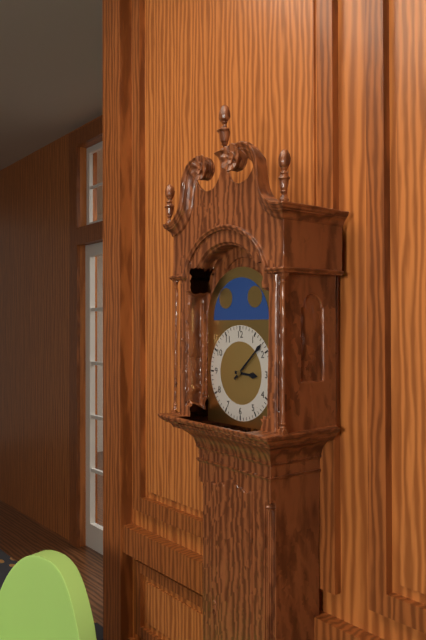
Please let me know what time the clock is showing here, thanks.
3:08
